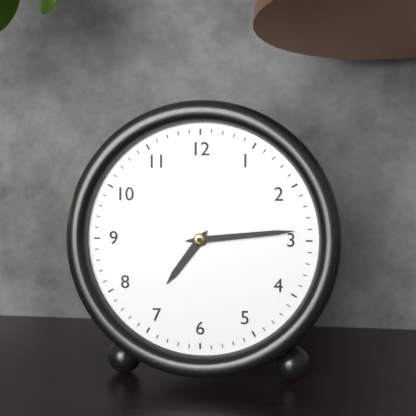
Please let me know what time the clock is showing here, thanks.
7:14
